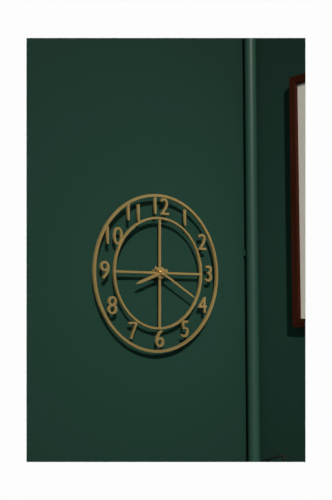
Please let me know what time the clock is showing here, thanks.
8:20
